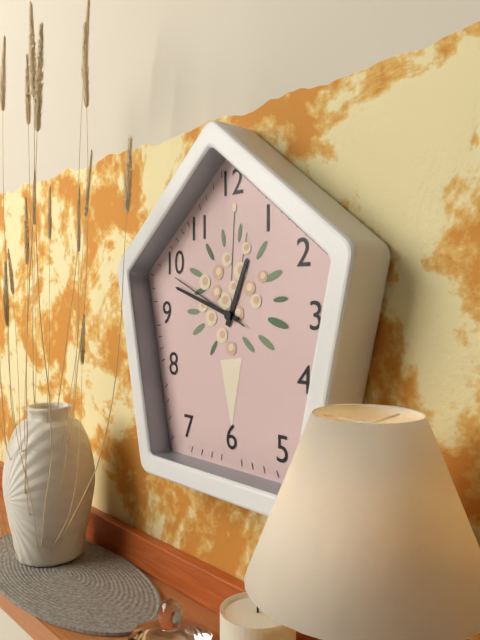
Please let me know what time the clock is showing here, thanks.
12:48:49
